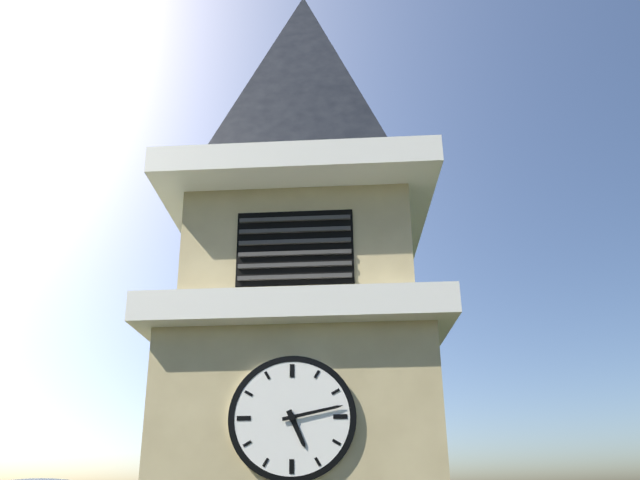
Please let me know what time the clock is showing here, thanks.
5:13
